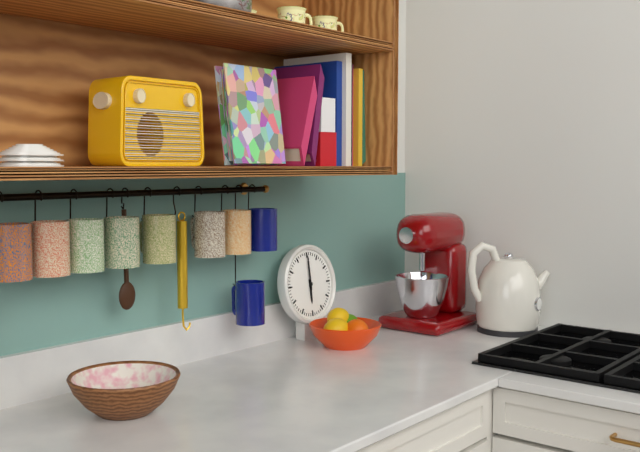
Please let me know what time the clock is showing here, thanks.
6:00
